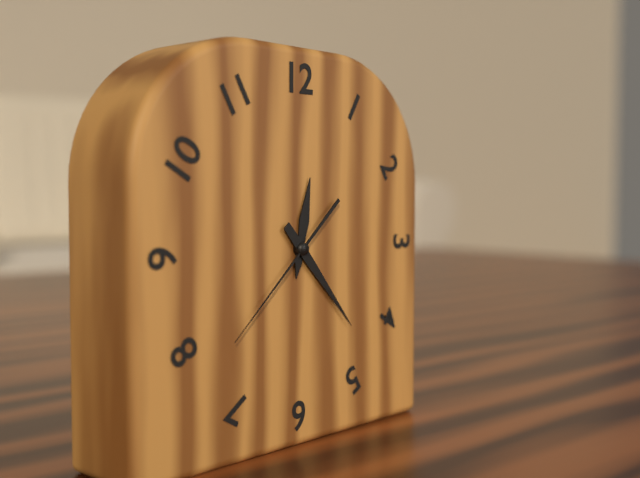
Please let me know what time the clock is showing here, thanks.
12:23:38
